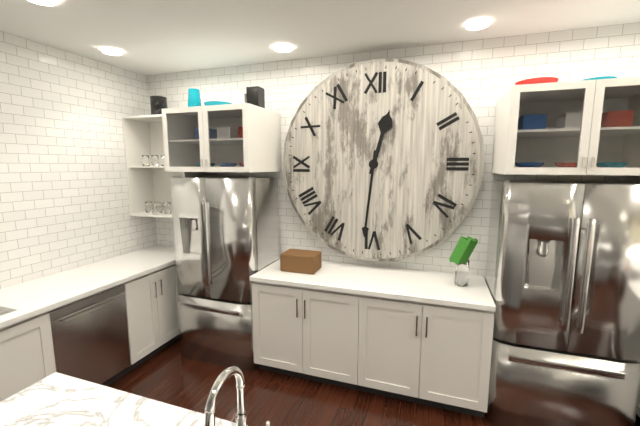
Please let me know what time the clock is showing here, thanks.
12:31
